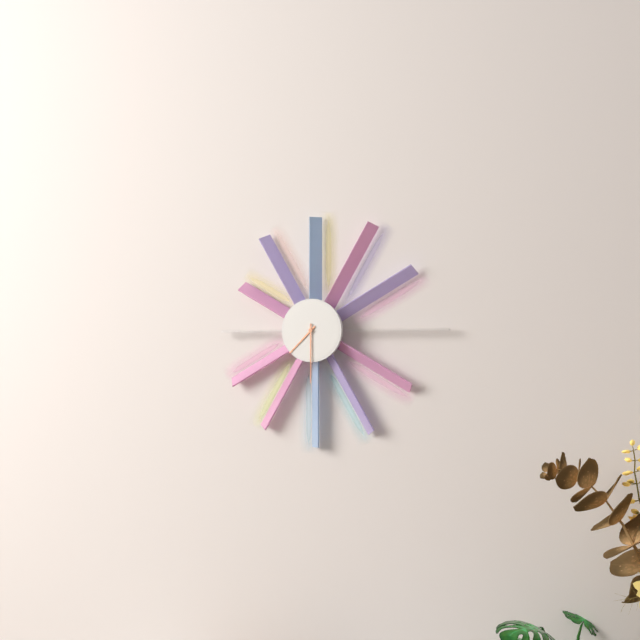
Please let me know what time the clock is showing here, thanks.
7:30
